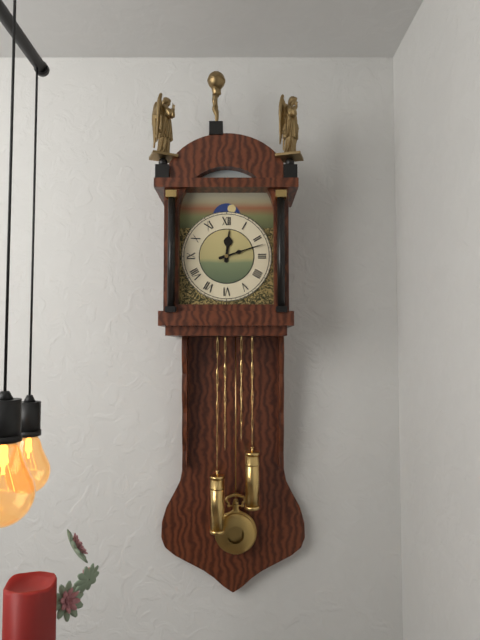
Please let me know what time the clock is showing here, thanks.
12:12
